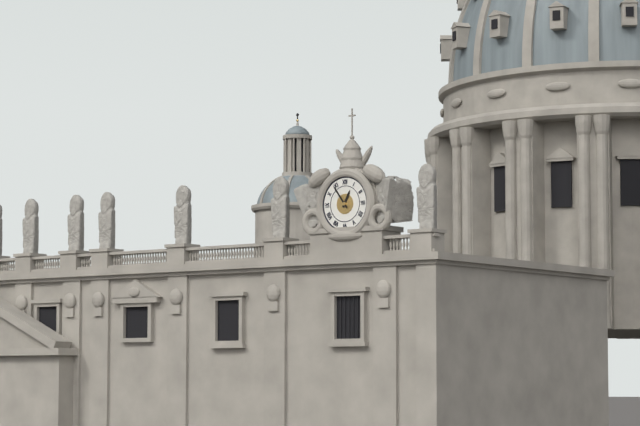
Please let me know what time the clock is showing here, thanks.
12:54
